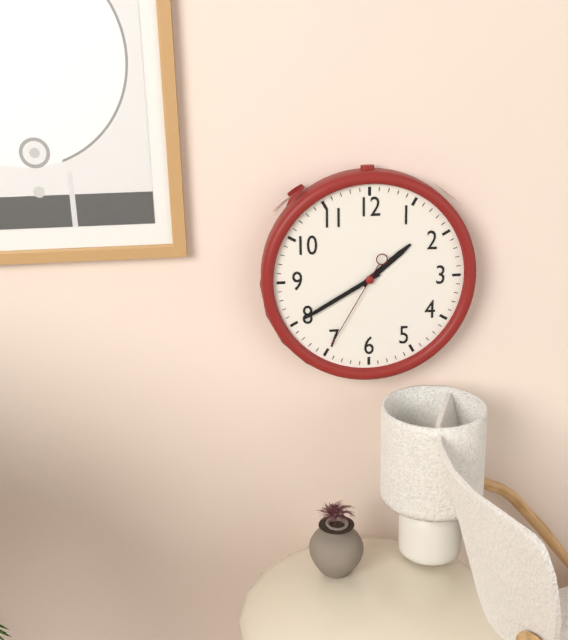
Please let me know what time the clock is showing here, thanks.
1:40:35
